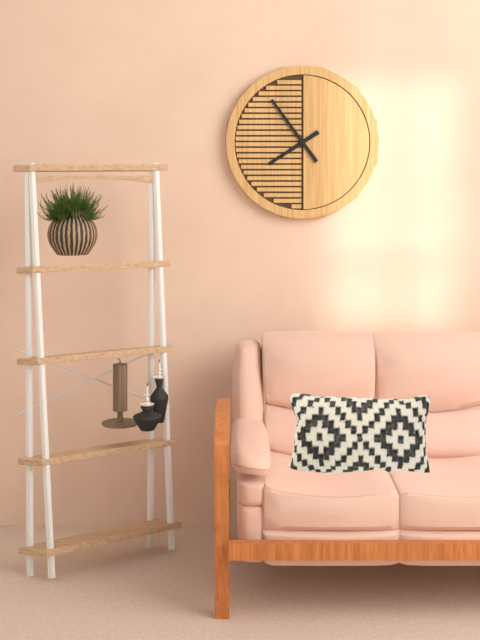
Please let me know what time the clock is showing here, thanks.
7:54
